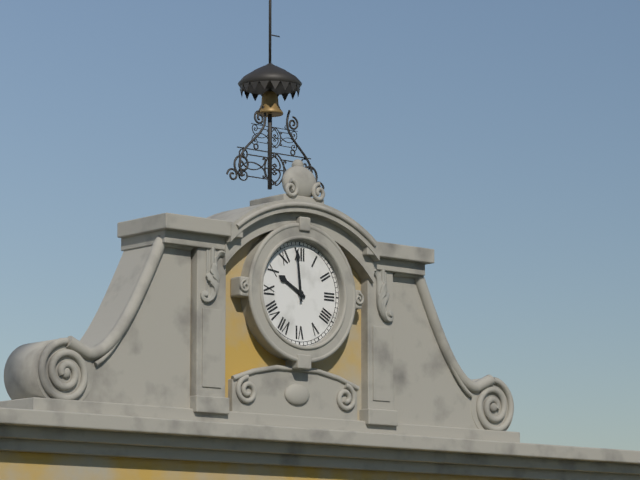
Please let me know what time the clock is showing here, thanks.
9:59
